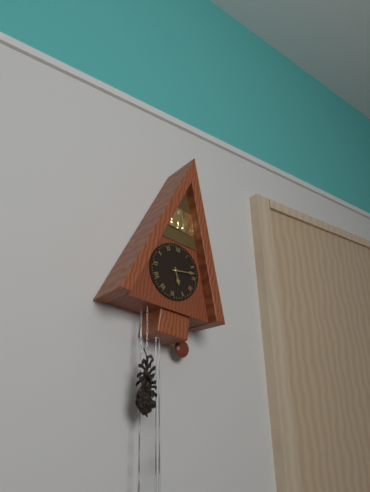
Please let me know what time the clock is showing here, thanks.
5:13
